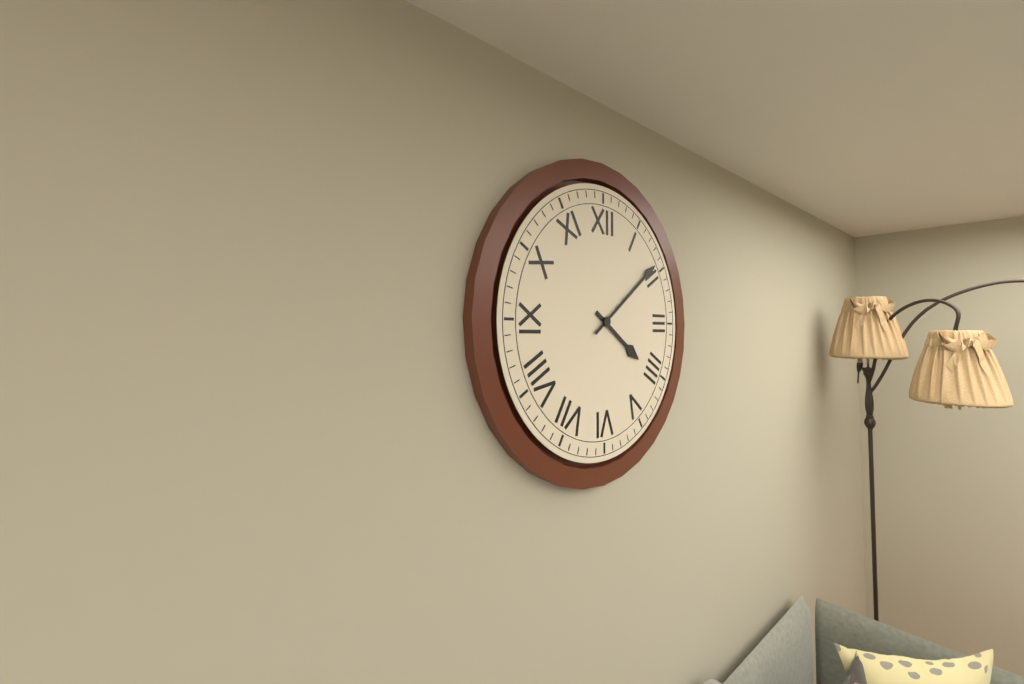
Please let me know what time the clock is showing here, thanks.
4:09
